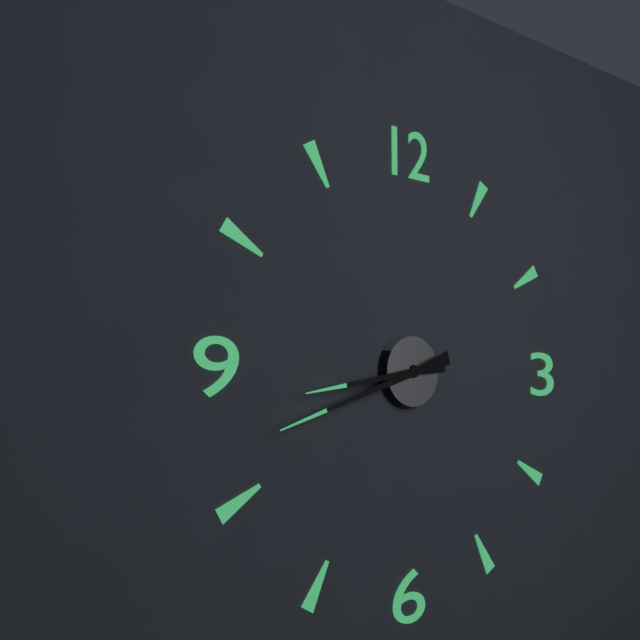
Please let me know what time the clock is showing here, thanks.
8:42
